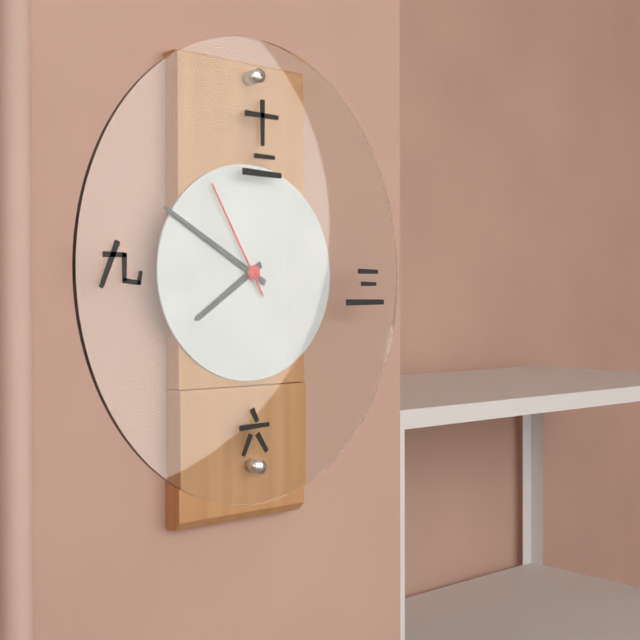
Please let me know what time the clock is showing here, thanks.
7:50:55
